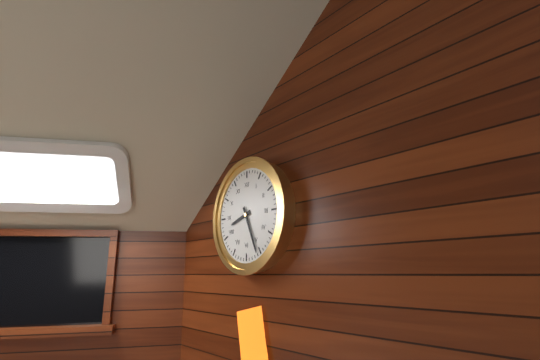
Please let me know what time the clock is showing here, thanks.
8:26
